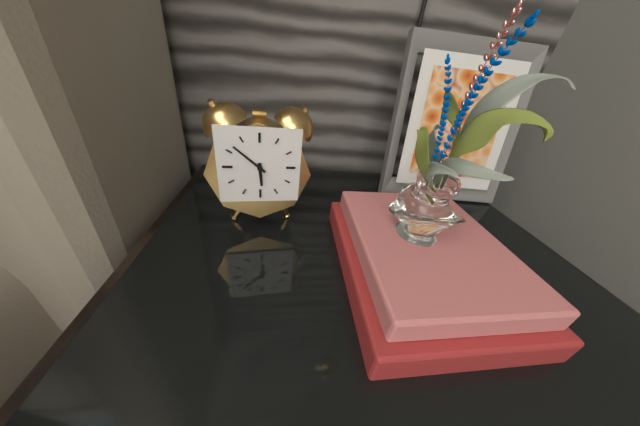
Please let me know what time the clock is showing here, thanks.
5:52
